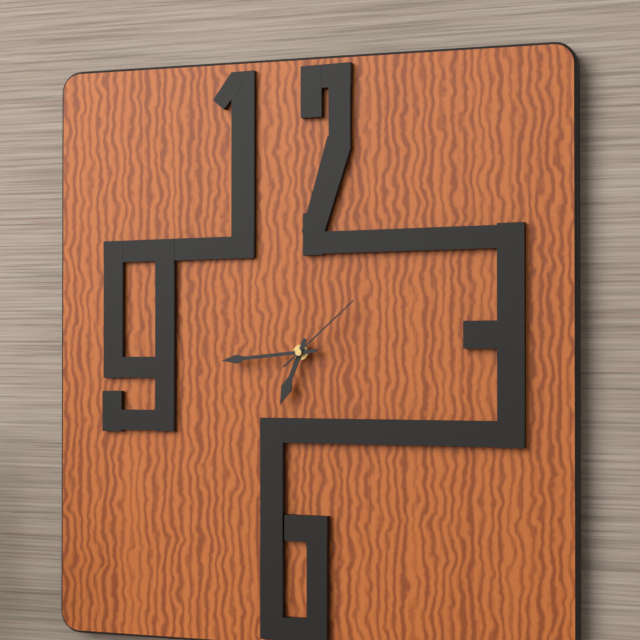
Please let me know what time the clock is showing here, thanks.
6:44:08
